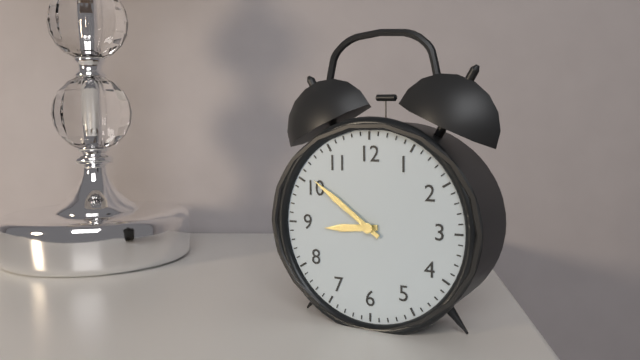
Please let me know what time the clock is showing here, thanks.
8:51
